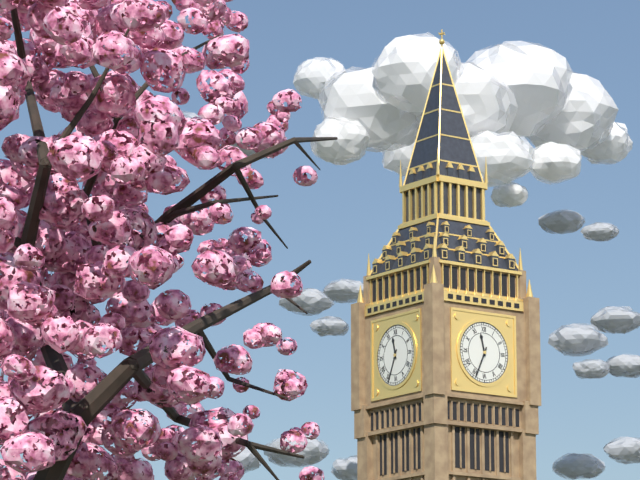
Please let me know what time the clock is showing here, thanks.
11:34
